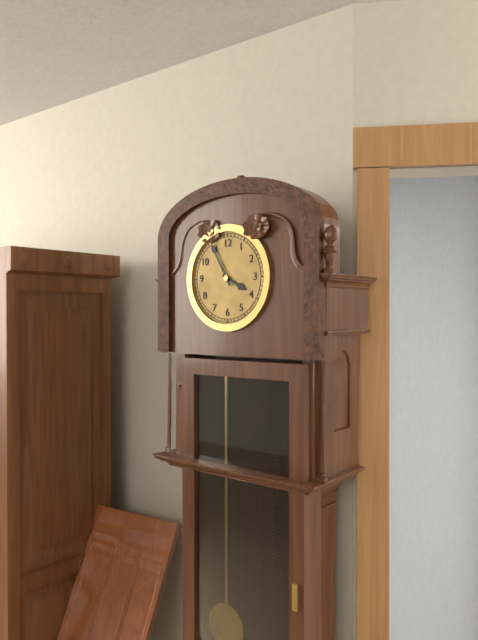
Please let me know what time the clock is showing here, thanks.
3:55
